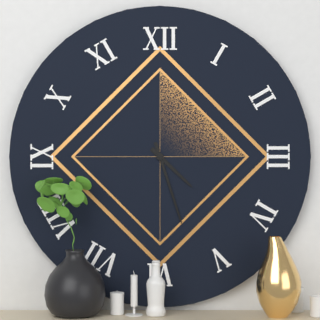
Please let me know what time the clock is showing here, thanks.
4:27
